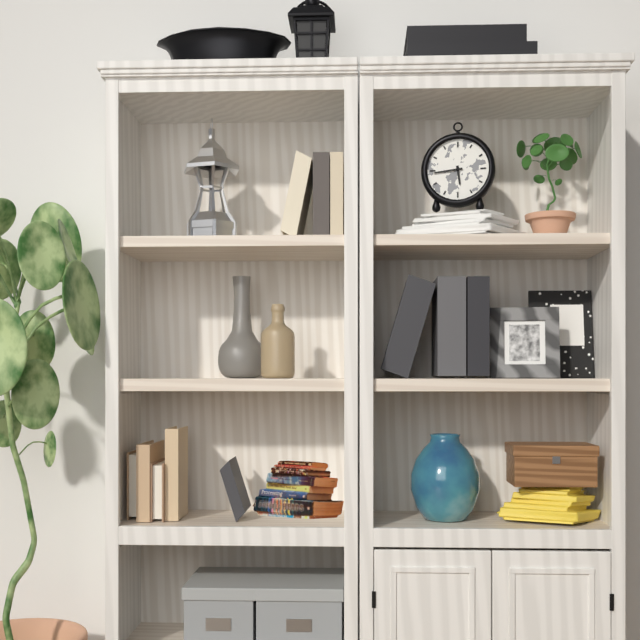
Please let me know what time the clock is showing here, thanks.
5:44
